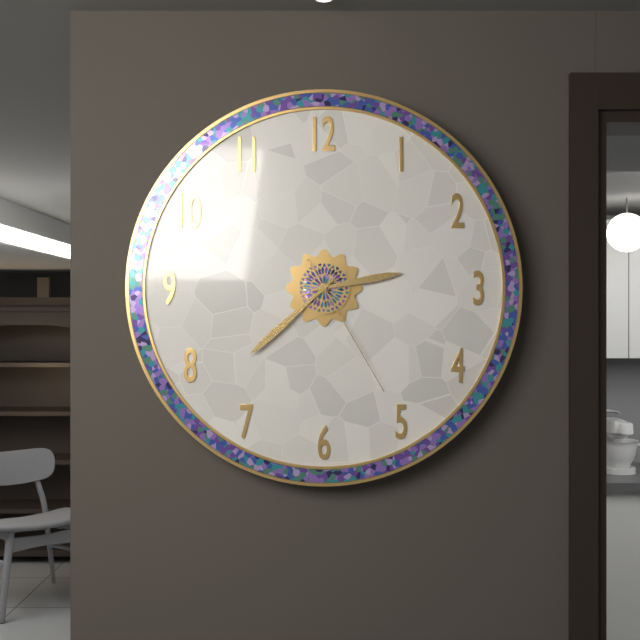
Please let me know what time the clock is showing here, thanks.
2:38:25
